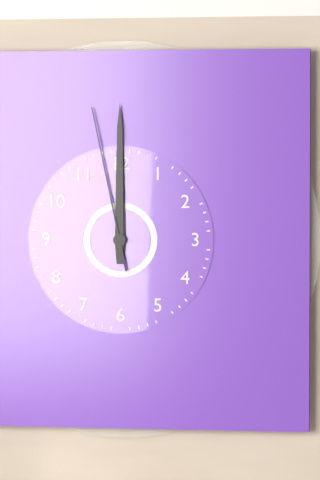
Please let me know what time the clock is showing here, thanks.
12:00:58
